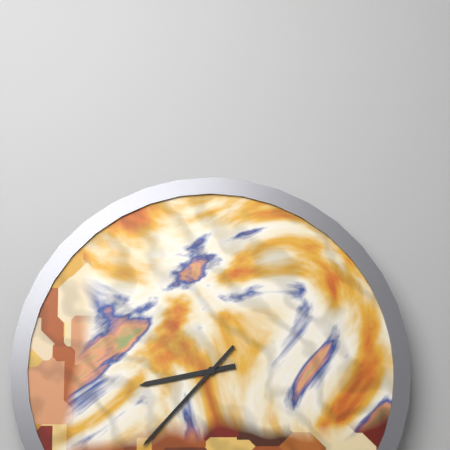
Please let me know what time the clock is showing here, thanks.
8:37
